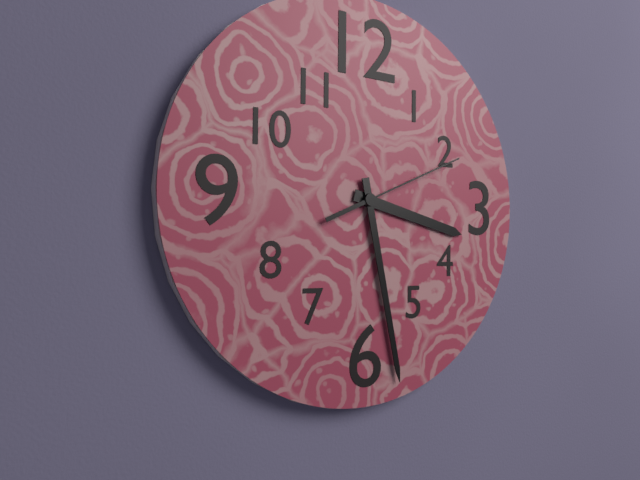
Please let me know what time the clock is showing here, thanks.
3:28:11
